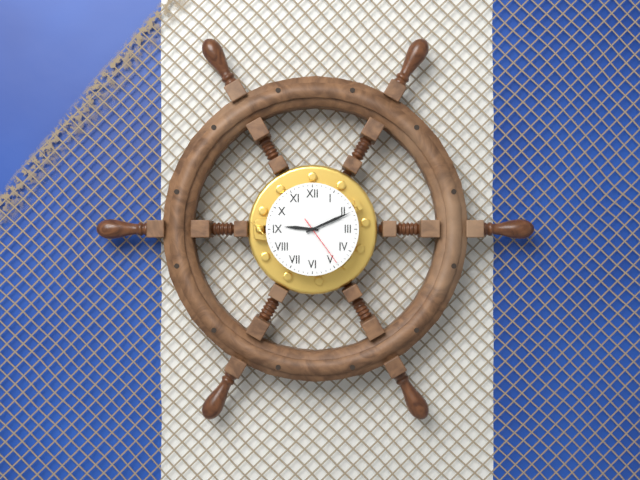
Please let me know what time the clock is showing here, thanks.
9:11:24
